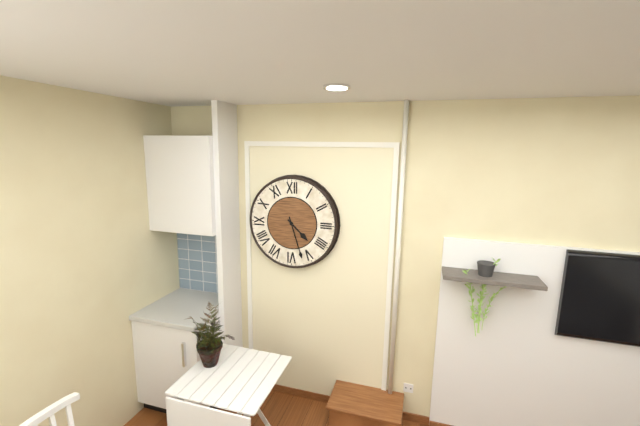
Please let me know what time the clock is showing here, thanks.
4:27
